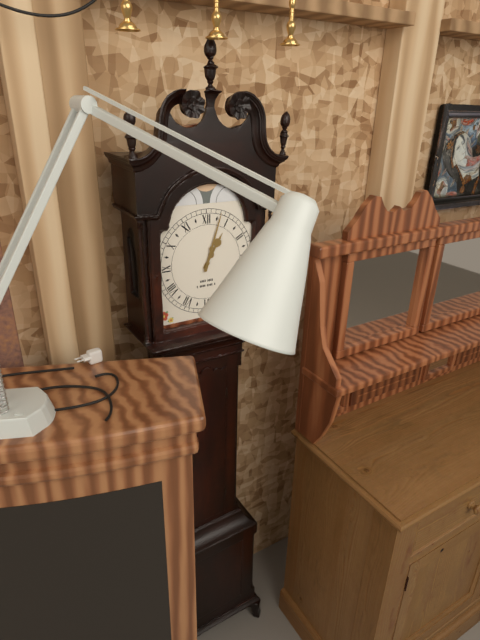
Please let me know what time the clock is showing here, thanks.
1:03
